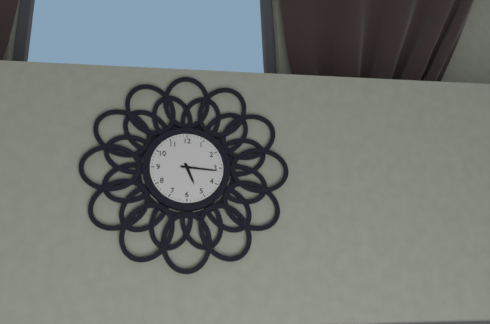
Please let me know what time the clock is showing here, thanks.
5:16
